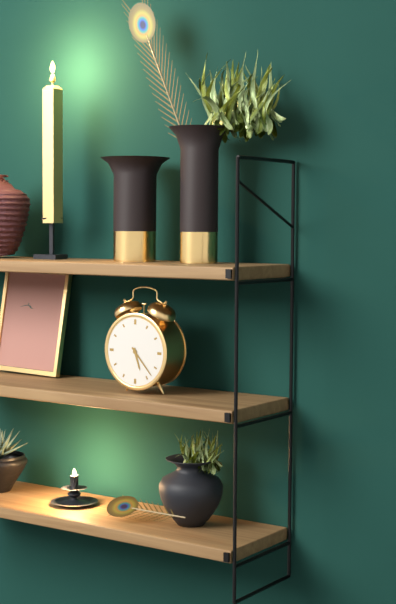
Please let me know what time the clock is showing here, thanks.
5:23
